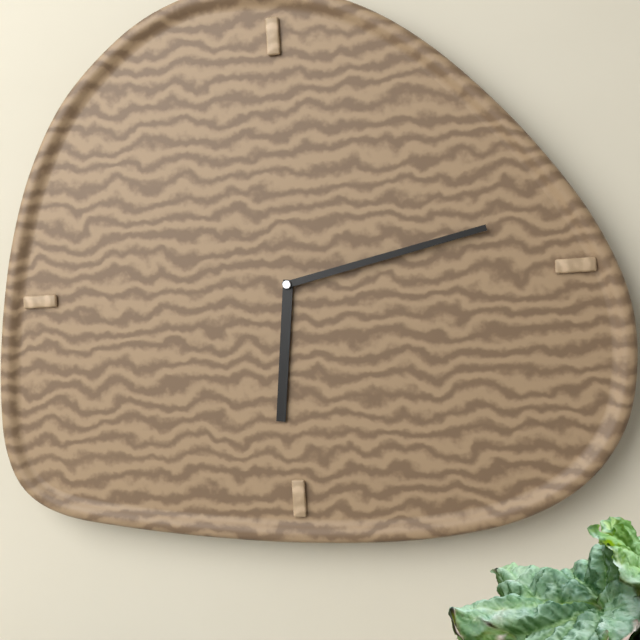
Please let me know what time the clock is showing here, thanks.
6:13
